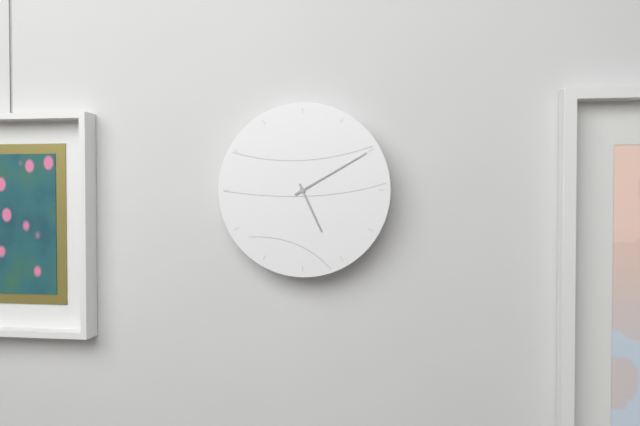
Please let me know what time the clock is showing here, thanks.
5:10
